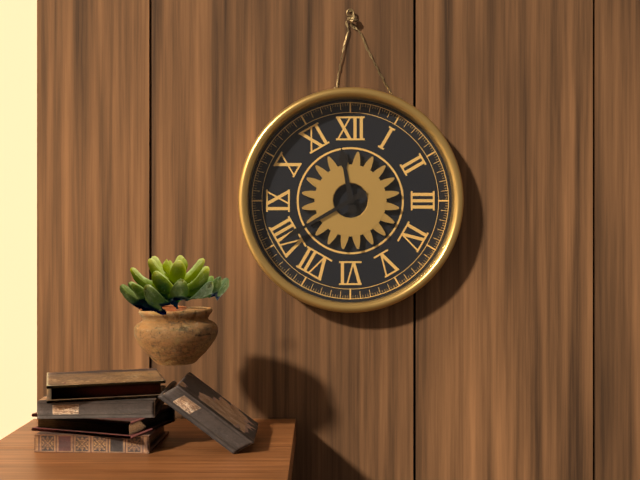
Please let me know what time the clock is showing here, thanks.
11:40
